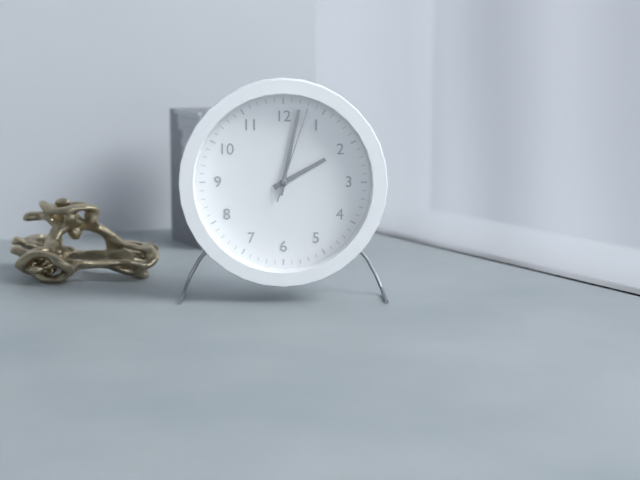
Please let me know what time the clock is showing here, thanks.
2:02:03
